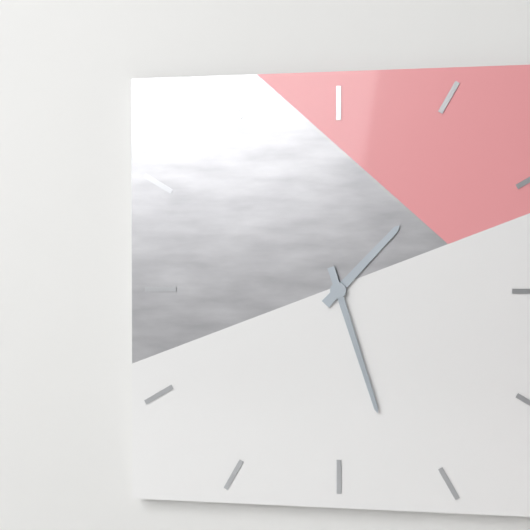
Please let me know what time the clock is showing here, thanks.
1:27
